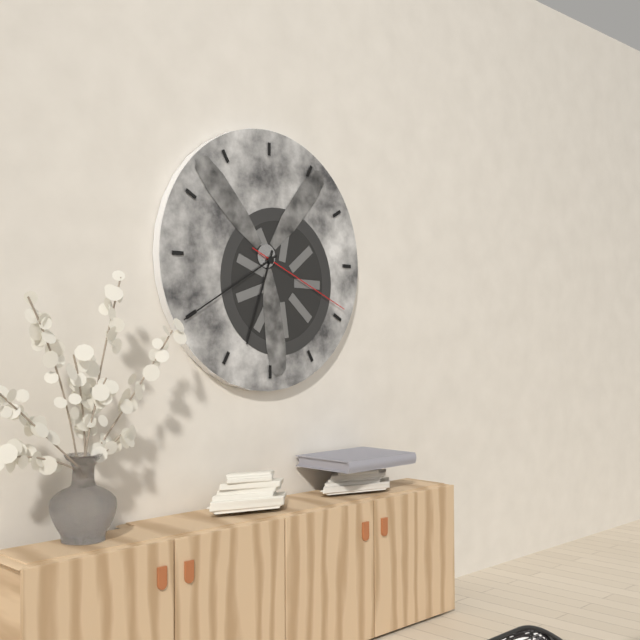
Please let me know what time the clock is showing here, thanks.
6:40:19
